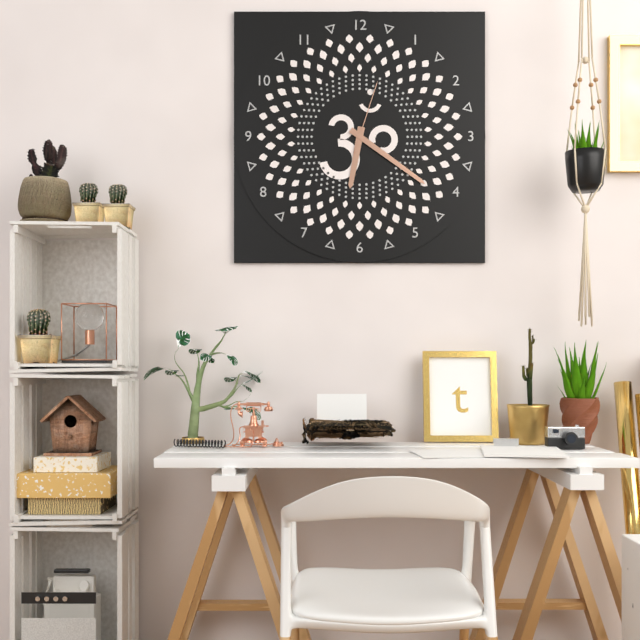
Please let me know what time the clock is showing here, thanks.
6:21:03
